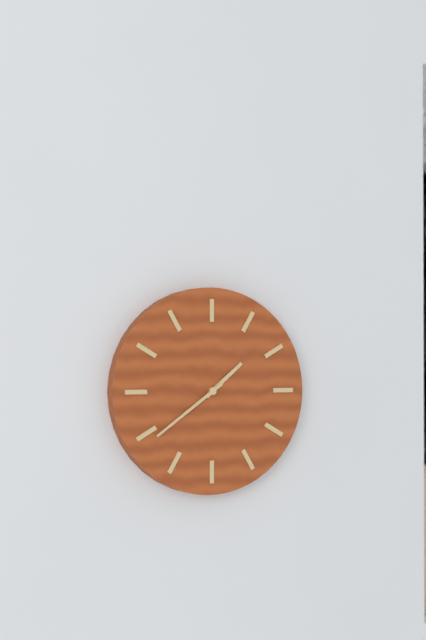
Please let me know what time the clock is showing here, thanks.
1:39
